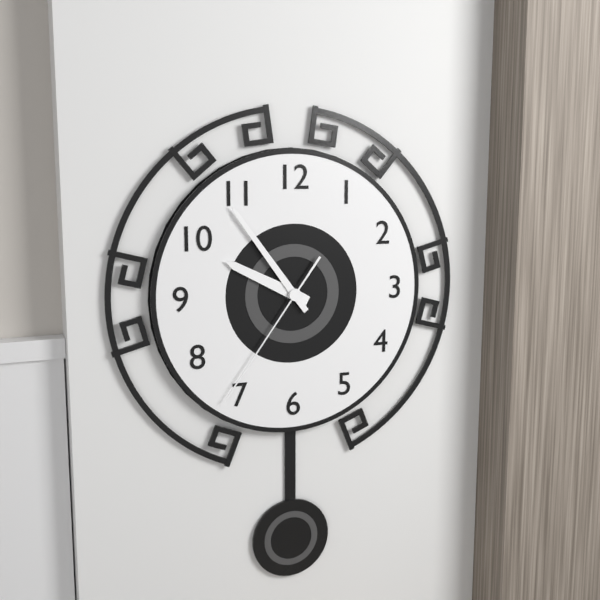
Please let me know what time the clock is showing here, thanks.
9:54:36
